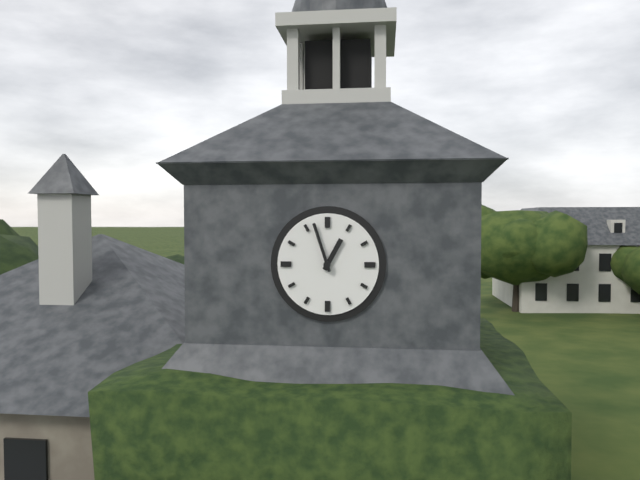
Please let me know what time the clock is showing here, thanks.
12:57
